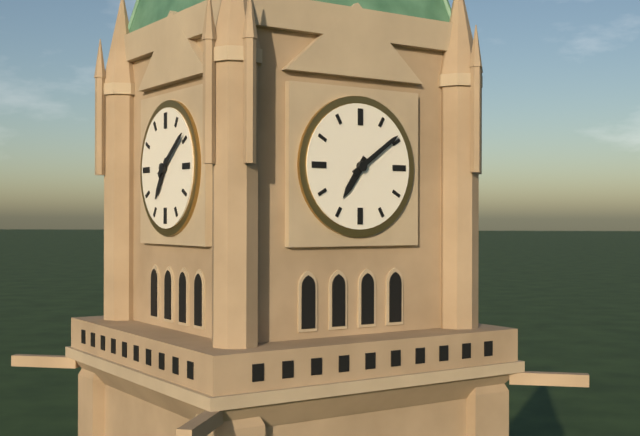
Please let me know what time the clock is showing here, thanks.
7:09
